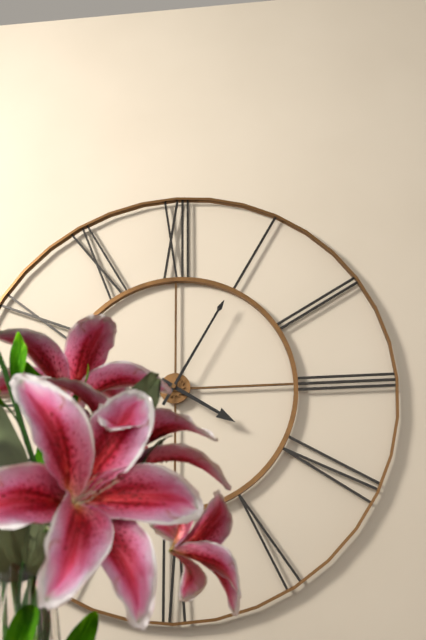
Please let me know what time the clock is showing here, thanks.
4:05
